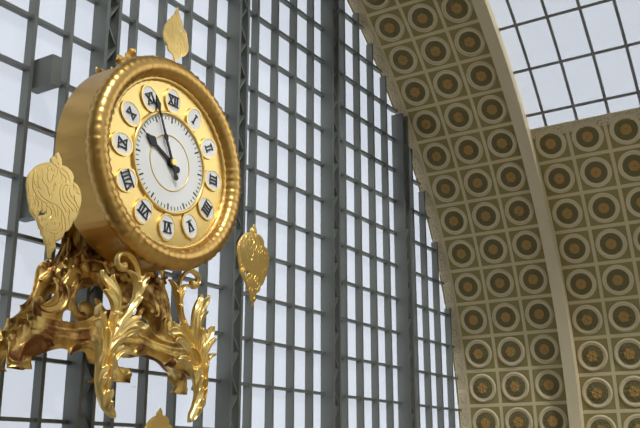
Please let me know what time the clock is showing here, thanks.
9:56
